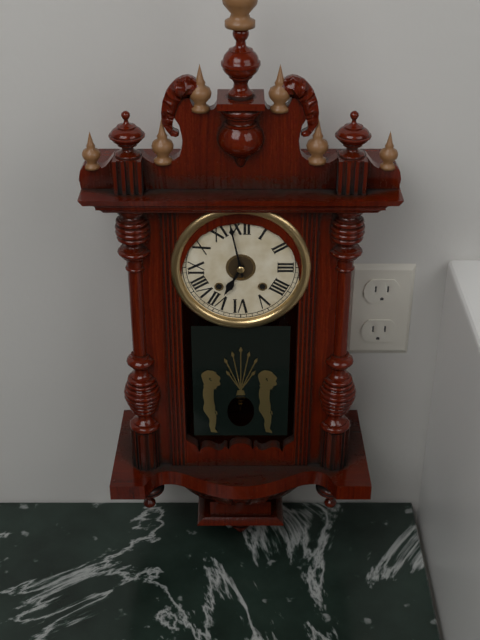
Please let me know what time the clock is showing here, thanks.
6:58
